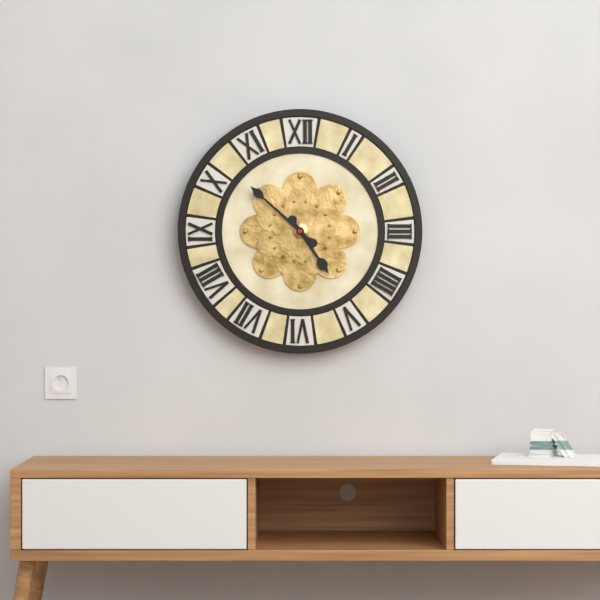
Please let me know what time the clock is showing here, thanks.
4:52
